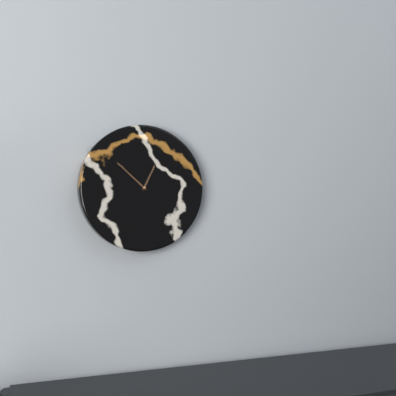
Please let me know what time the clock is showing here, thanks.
12:52
